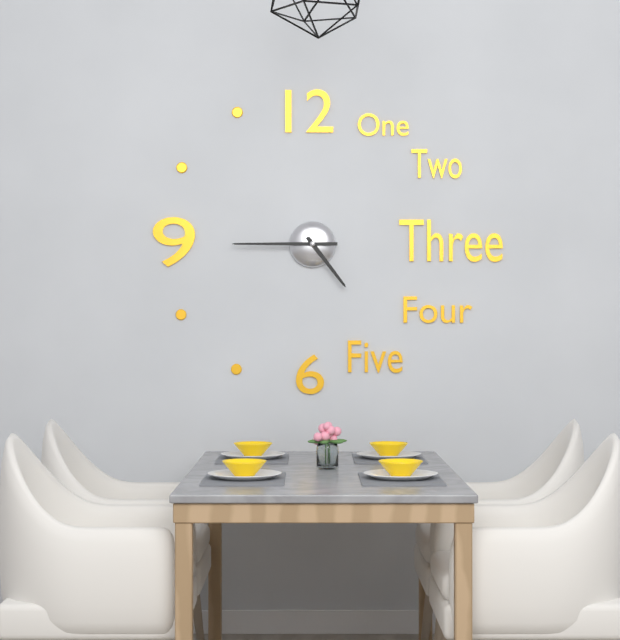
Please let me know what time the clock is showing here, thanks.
4:45
